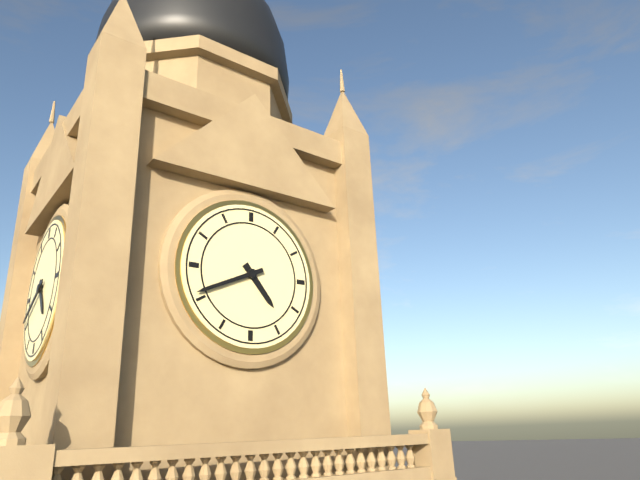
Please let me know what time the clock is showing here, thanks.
4:41
